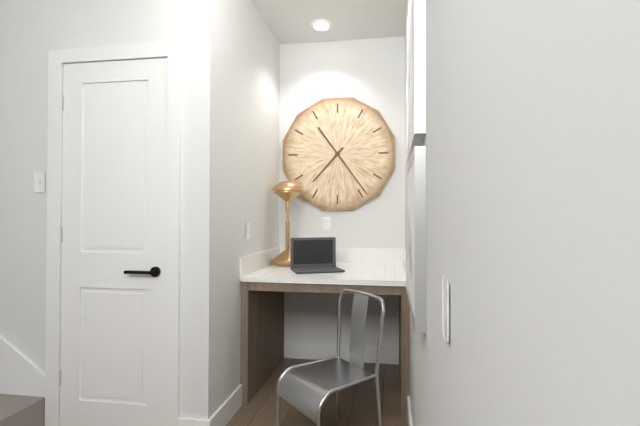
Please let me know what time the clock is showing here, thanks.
7:24
